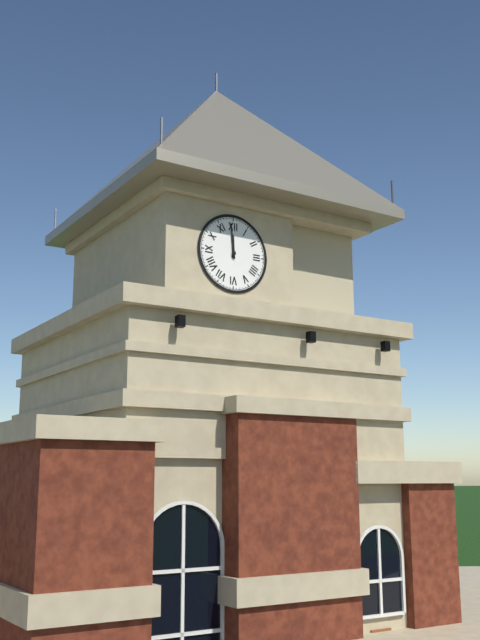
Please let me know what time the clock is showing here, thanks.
11:59
